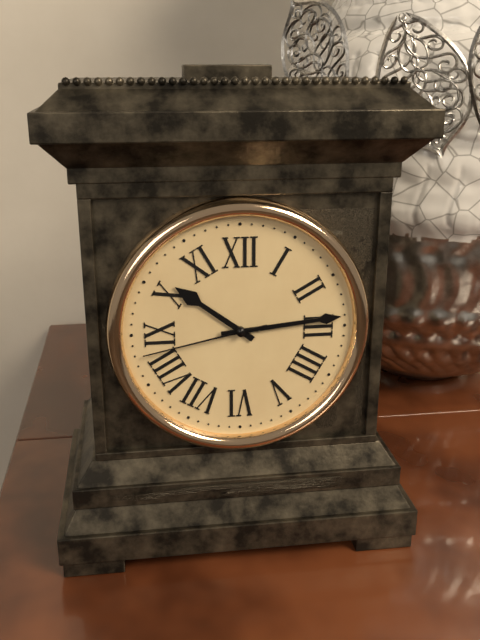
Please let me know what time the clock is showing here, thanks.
10:14:43
